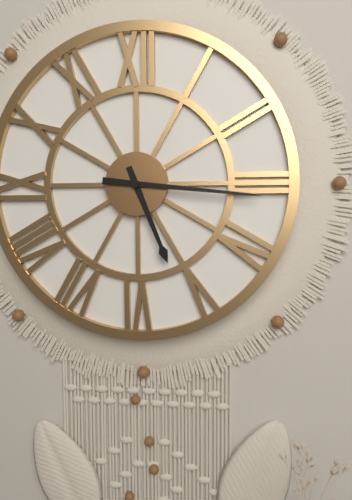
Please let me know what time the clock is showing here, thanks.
5:16
